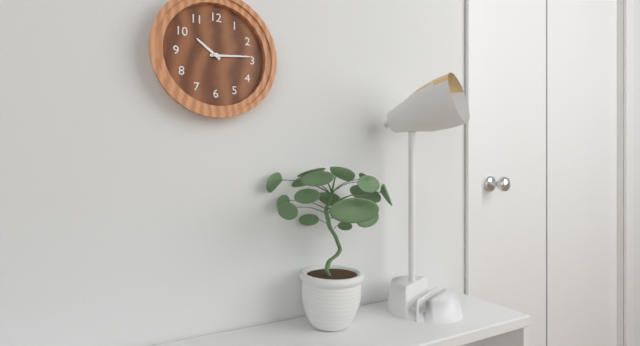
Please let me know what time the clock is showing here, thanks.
10:14
